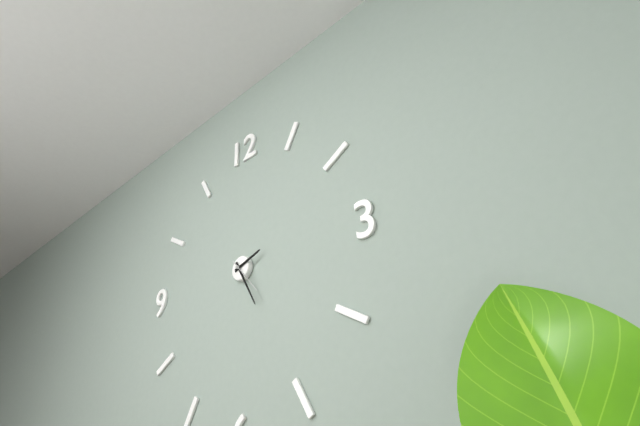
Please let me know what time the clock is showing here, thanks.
2:25
